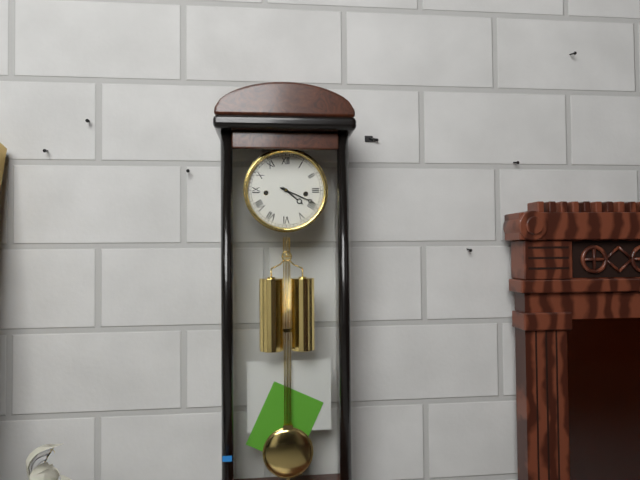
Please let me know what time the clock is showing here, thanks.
4:19
